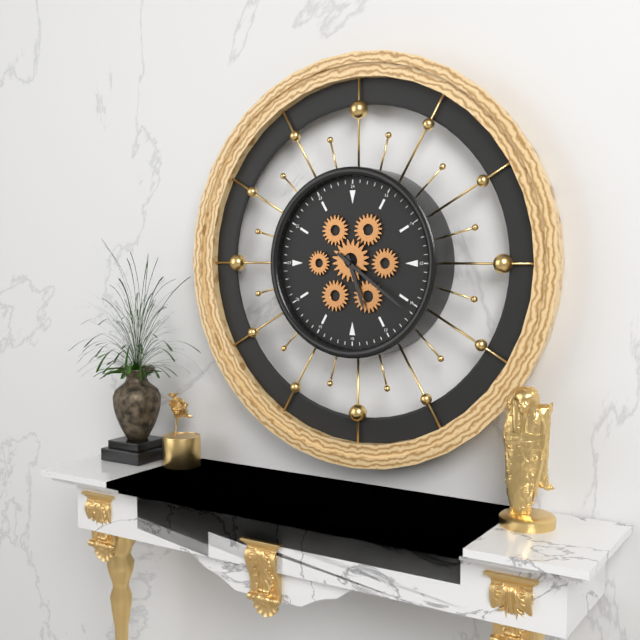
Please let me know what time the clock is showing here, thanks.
5:21
